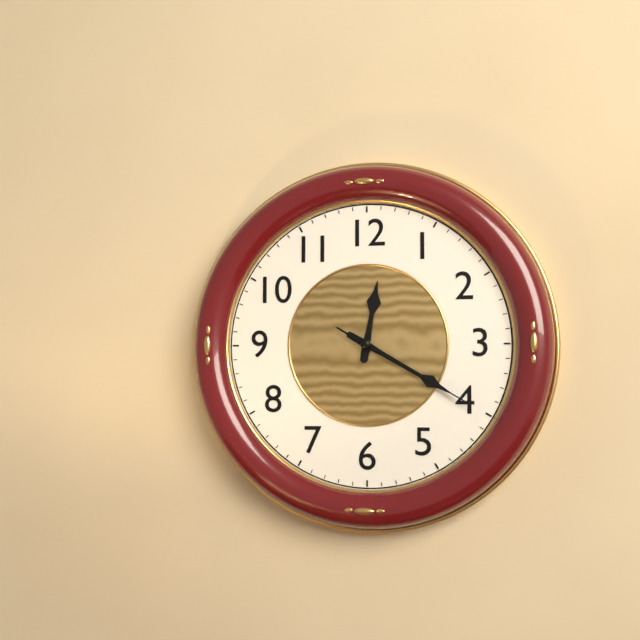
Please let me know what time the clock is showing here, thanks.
12:20:20
